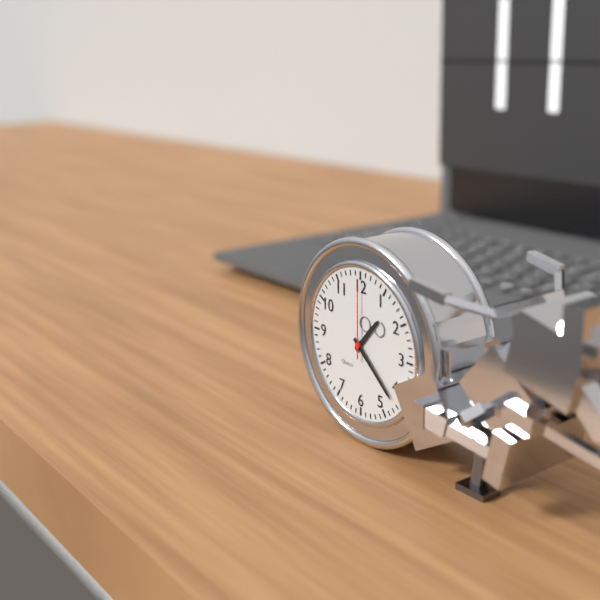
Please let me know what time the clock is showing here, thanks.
1:22:00
